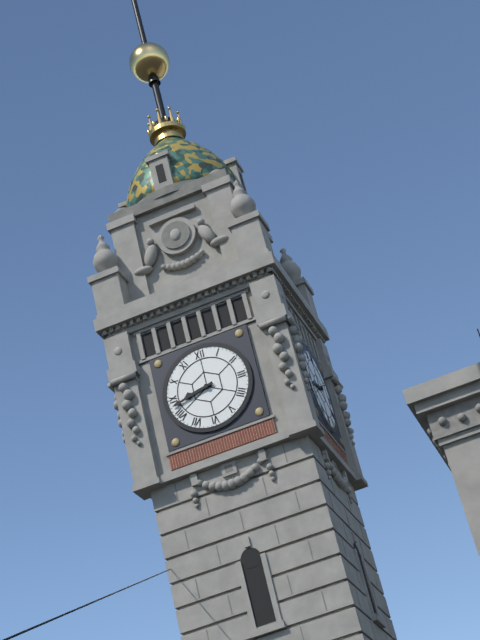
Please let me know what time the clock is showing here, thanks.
8:43
